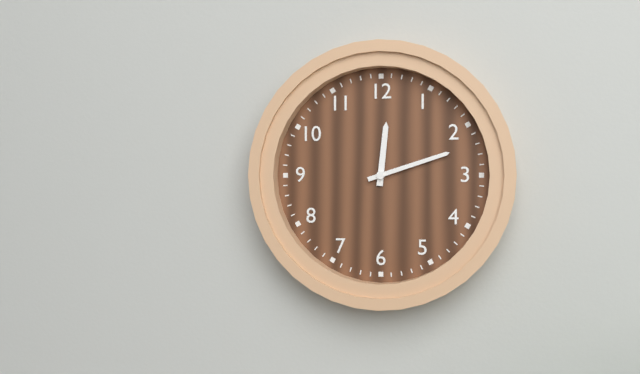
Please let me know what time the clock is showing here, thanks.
12:12
